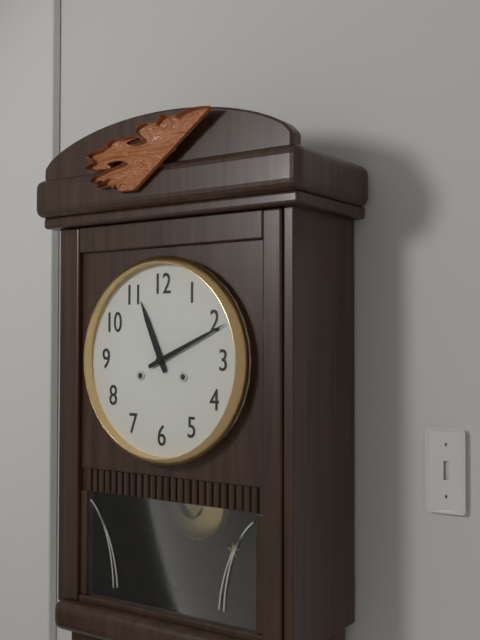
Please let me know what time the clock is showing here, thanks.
11:11
